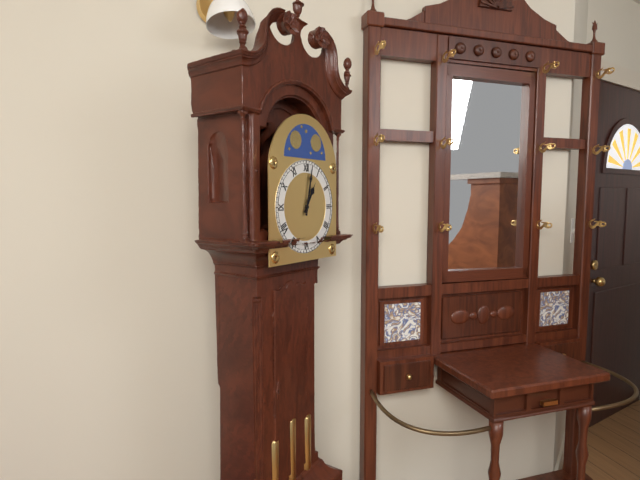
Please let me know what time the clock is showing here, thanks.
1:02
